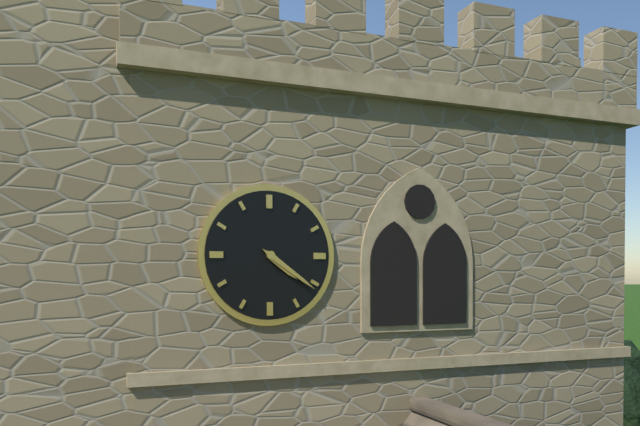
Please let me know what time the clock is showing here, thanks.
4:21
